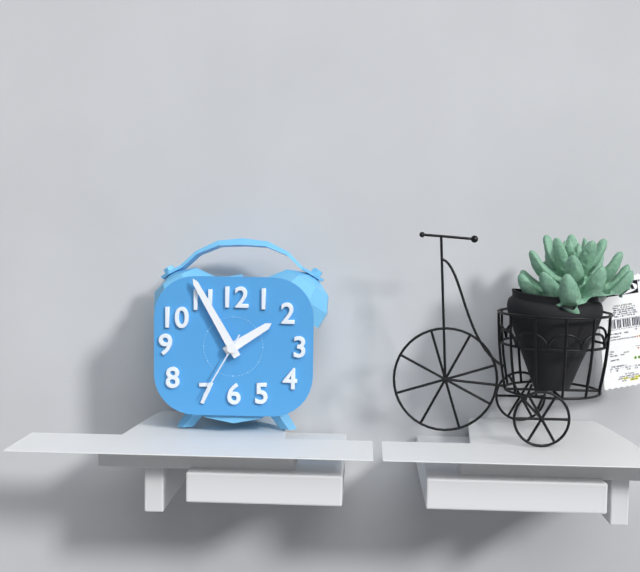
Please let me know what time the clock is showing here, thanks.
1:55:35
